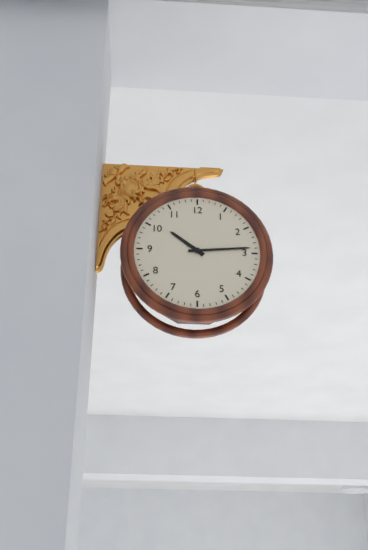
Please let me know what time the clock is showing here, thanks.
10:14
